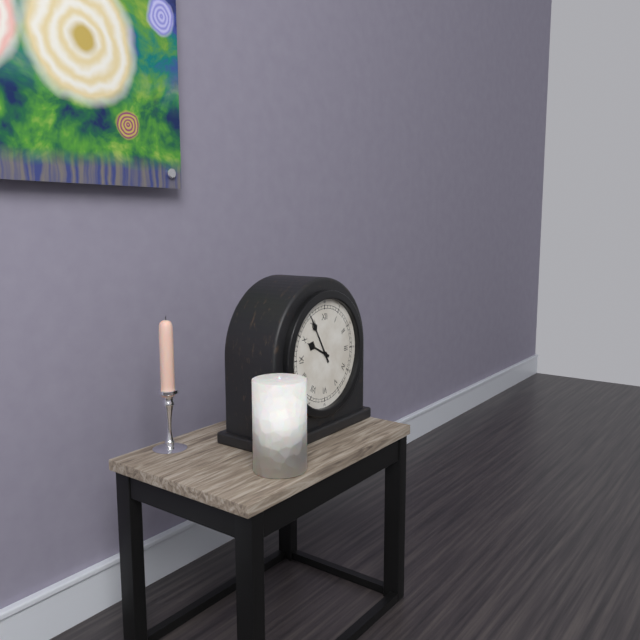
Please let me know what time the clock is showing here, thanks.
9:55
